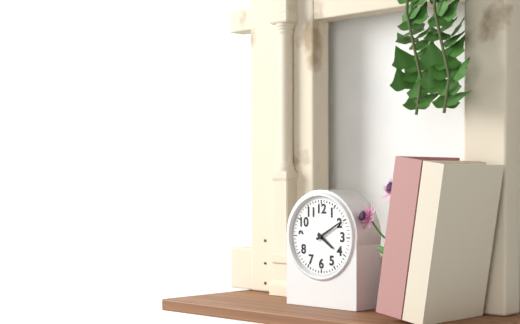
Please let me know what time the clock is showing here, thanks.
4:10
